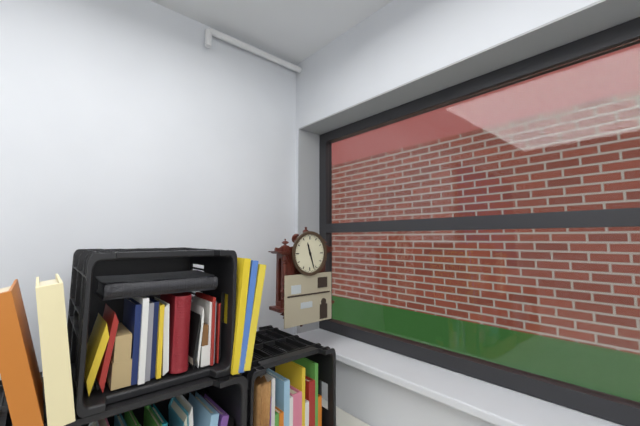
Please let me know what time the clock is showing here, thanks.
11:27
